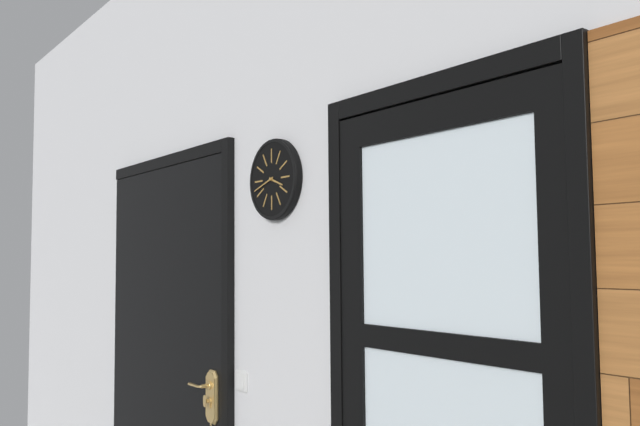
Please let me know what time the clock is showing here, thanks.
3:42
